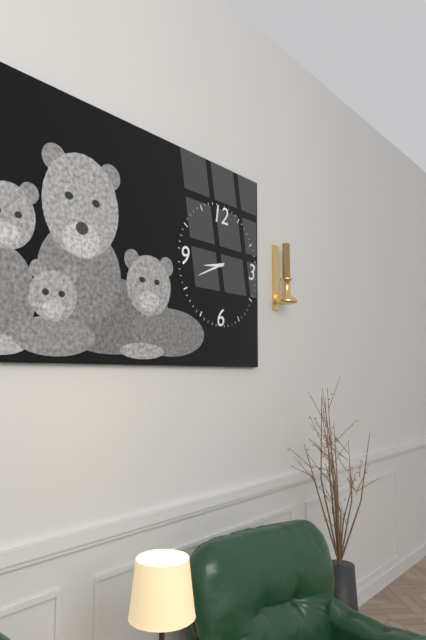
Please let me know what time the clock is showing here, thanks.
8:41
